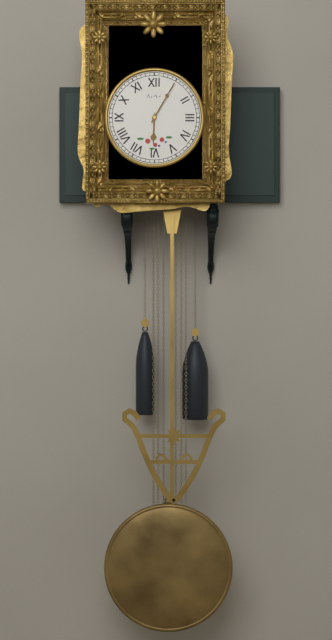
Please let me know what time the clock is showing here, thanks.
6:05
